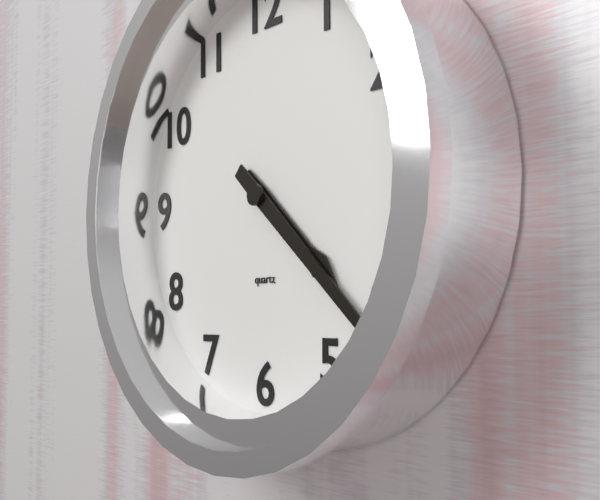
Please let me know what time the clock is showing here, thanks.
4:22
